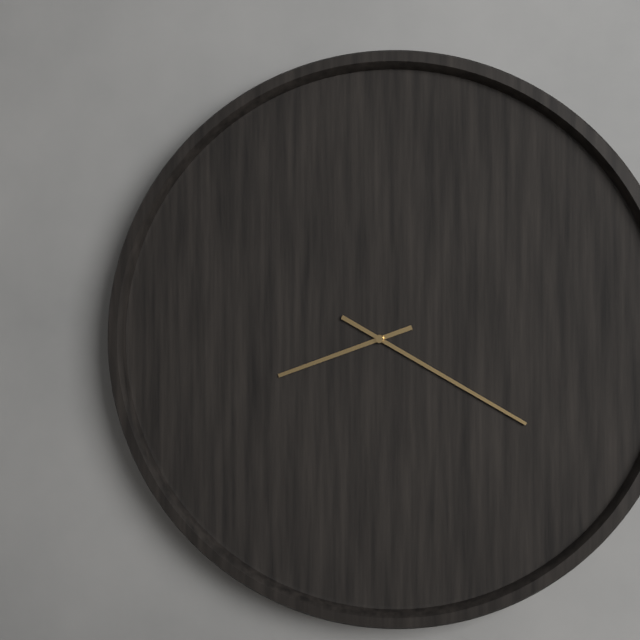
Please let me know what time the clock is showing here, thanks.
8:20
